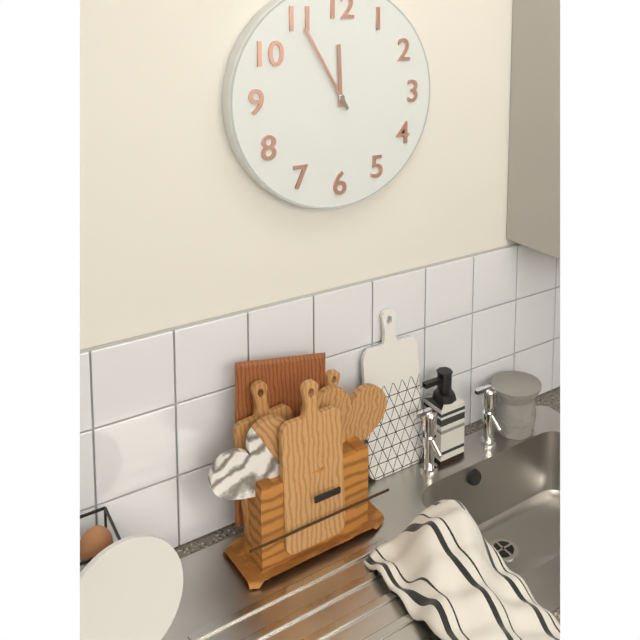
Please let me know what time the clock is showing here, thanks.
11:55
